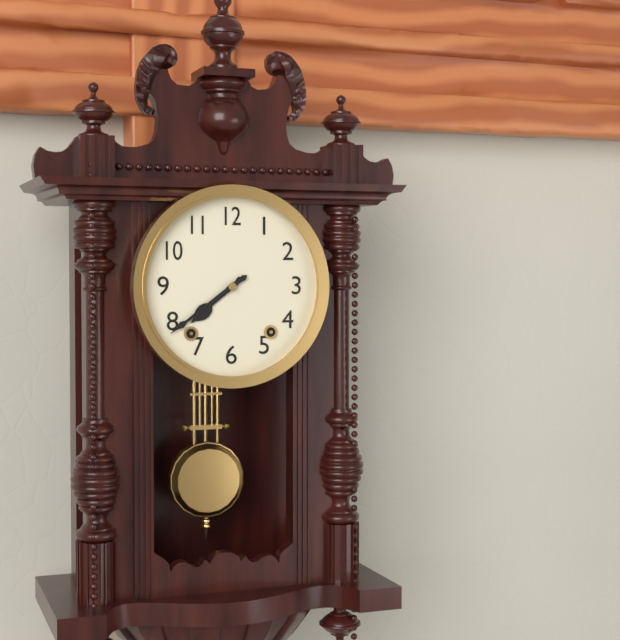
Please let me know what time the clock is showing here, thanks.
7:39
